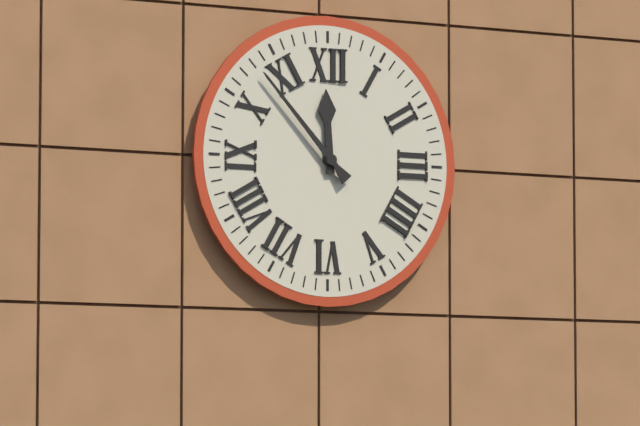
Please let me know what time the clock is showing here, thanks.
11:53
